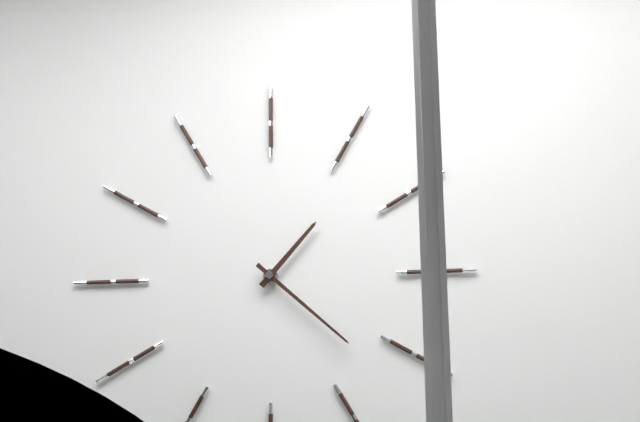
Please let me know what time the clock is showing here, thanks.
1:22
